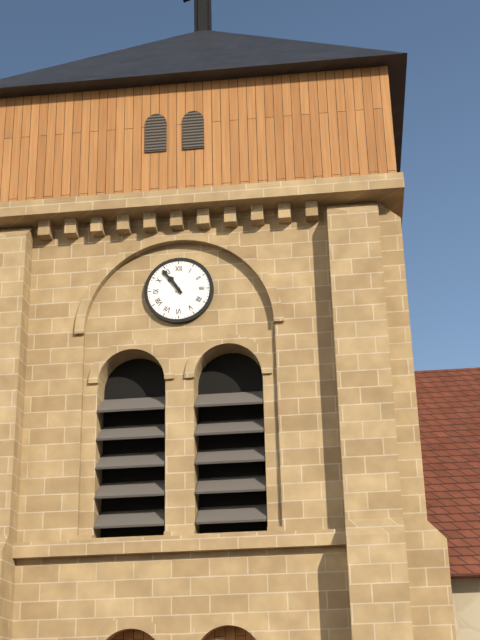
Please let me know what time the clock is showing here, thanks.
10:54
